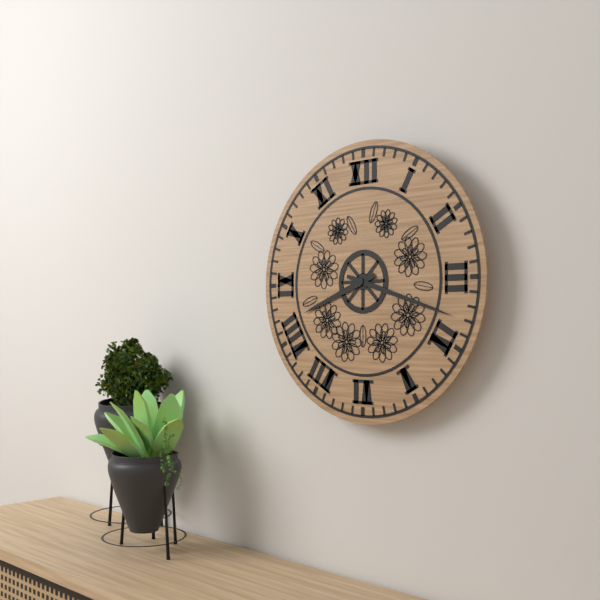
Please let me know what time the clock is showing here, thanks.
8:18
